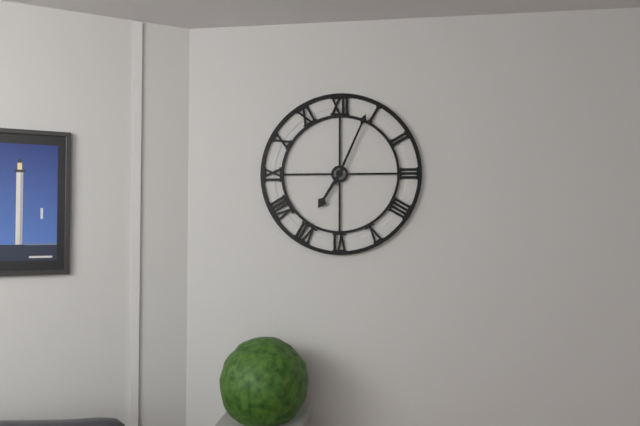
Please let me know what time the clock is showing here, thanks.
7:04
